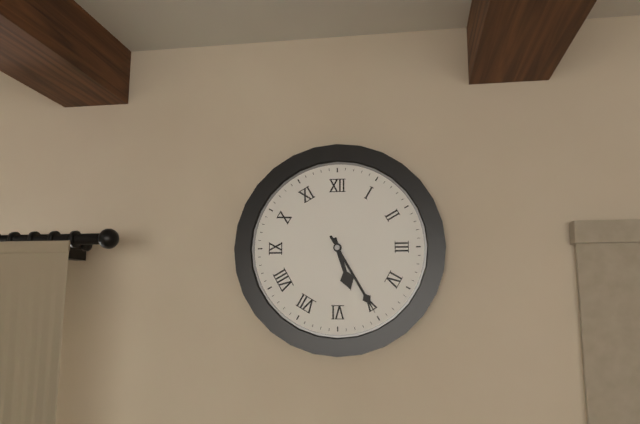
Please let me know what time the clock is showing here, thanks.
5:25
